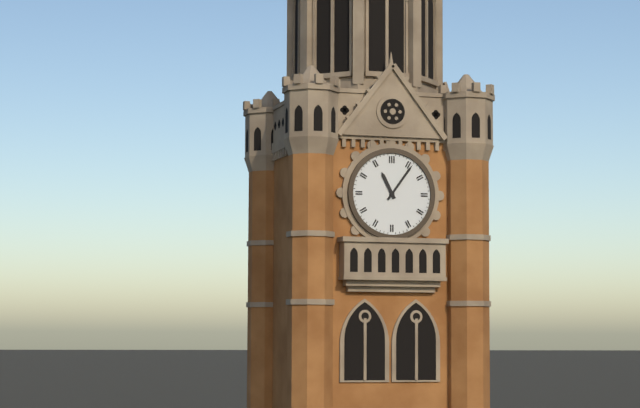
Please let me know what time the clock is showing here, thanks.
11:06
